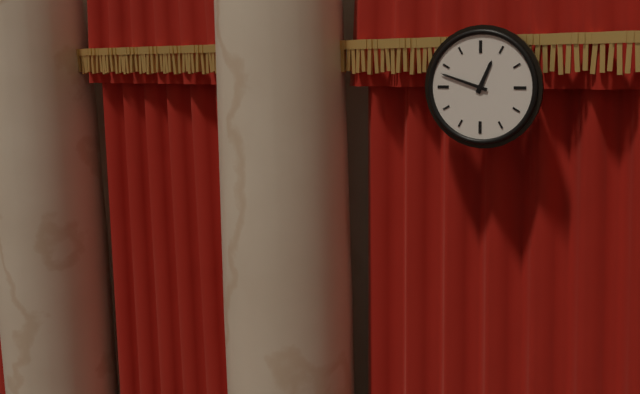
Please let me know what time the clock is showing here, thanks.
12:48
